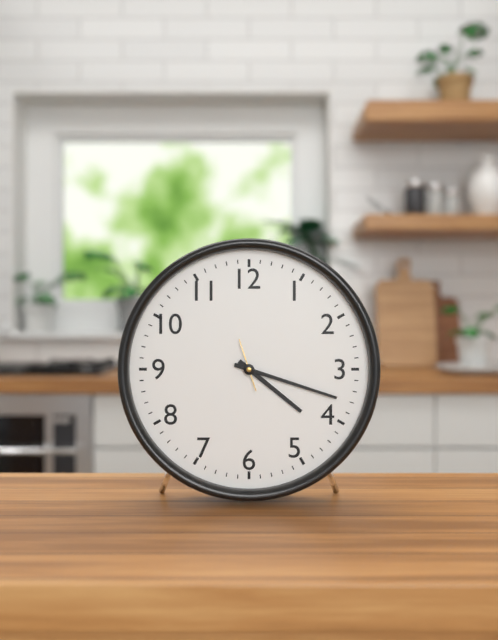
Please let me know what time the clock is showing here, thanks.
4:18
